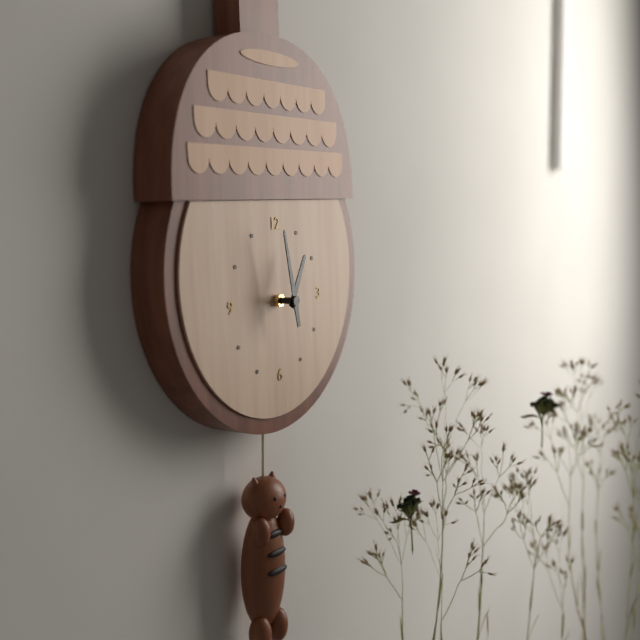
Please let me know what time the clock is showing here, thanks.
12:58
